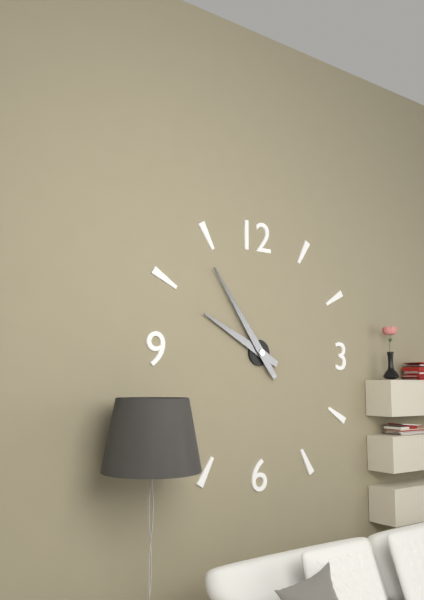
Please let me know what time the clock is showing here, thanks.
9:54
